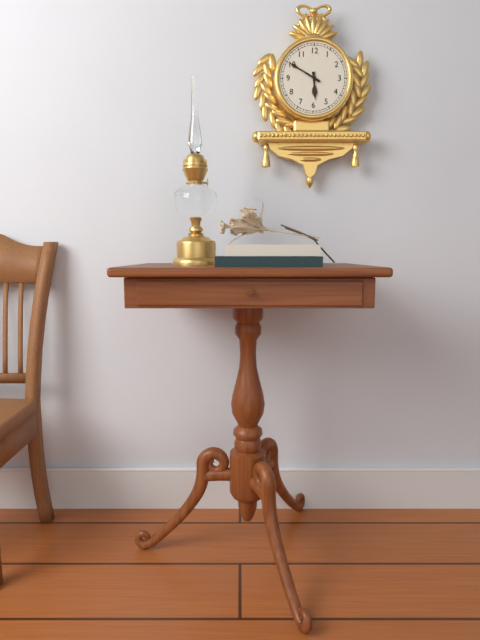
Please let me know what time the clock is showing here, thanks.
5:50
